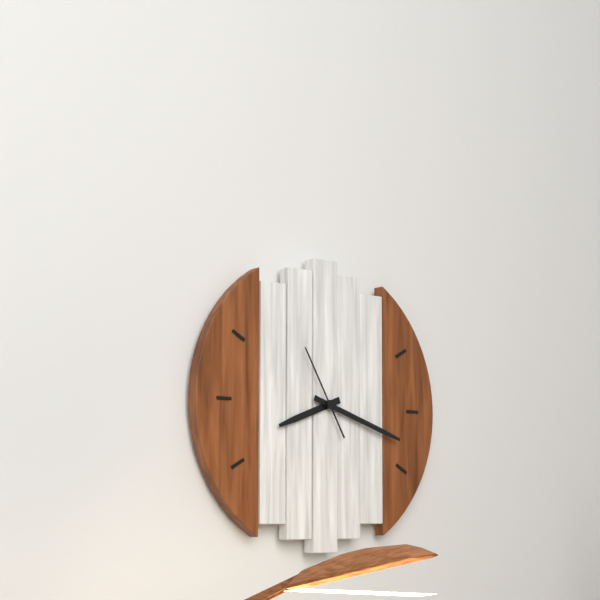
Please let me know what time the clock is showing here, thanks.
8:18:55
